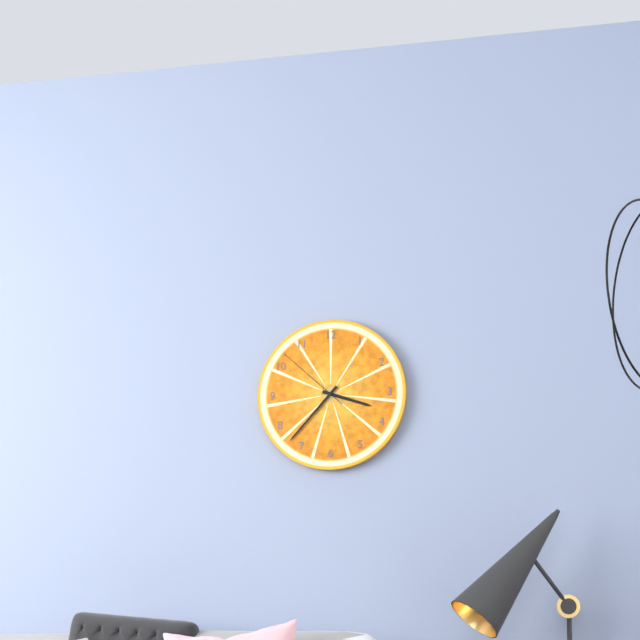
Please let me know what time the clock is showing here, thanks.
3:37:52
